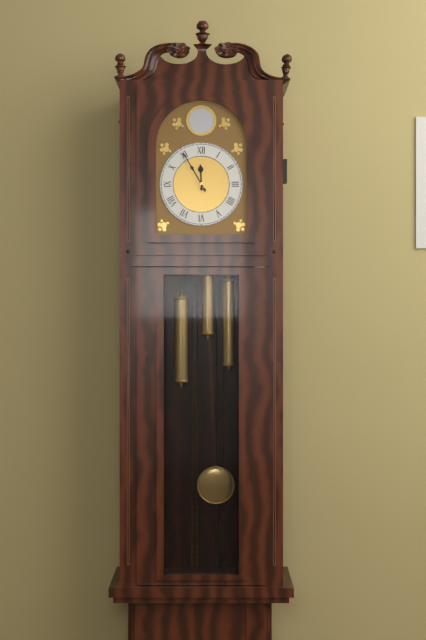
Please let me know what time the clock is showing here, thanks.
11:55
